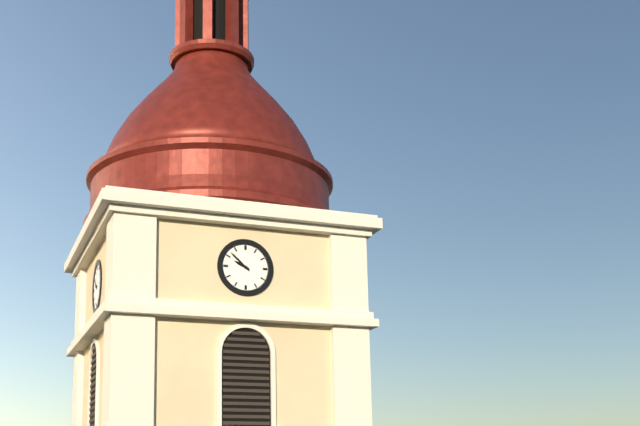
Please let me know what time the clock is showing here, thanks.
9:52
